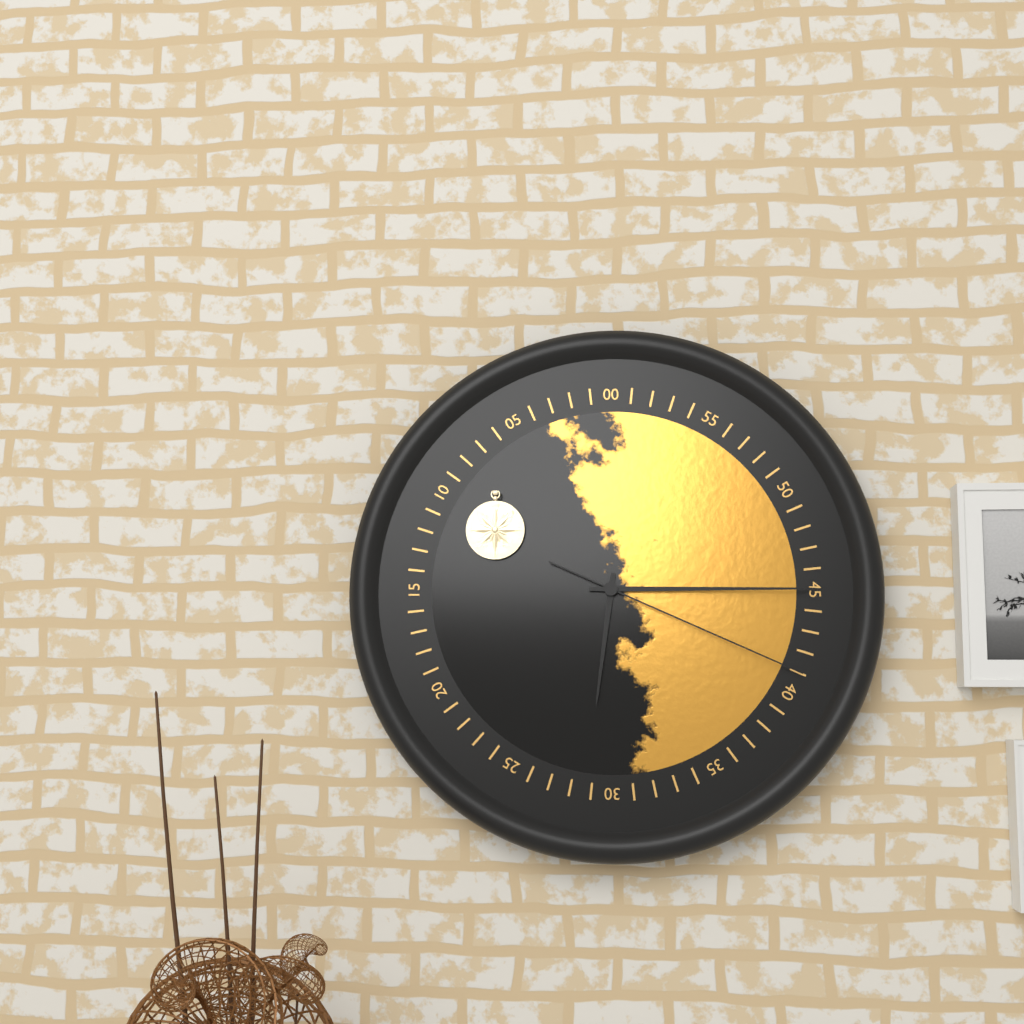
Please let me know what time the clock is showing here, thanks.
6:15:19
